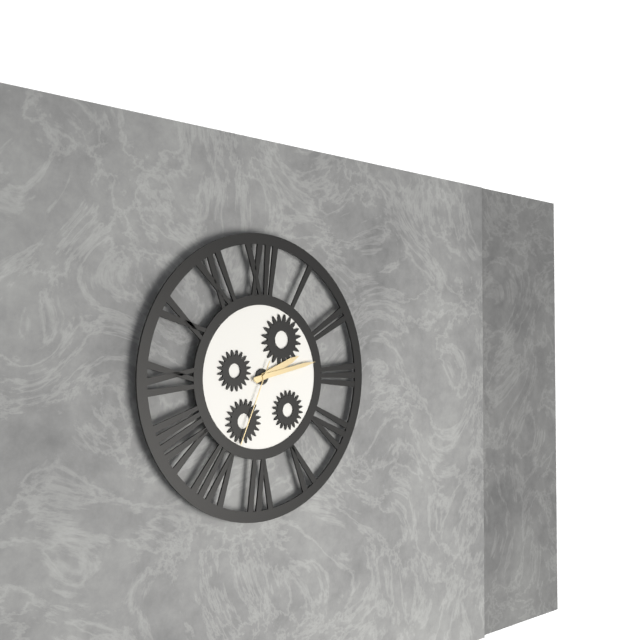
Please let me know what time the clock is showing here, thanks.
2:13:34
